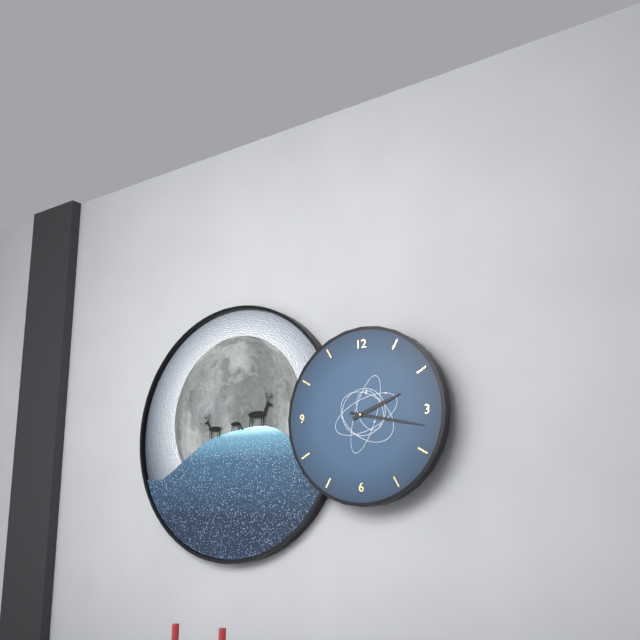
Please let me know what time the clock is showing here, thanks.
2:17
